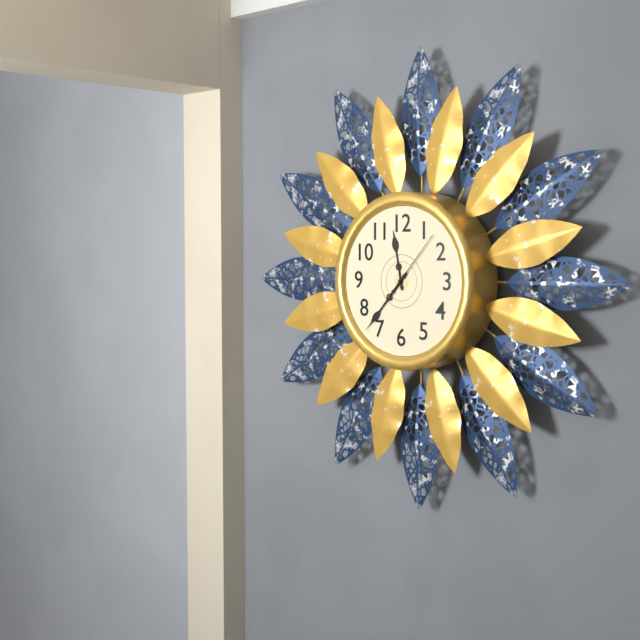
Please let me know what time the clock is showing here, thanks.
11:37:07
